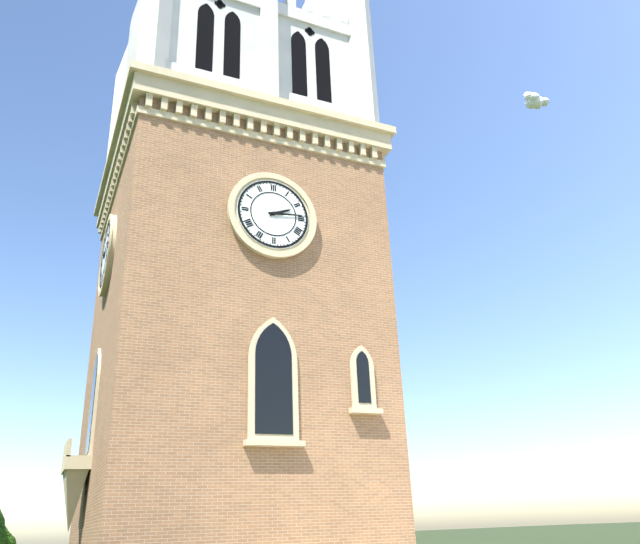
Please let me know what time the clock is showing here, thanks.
2:14
